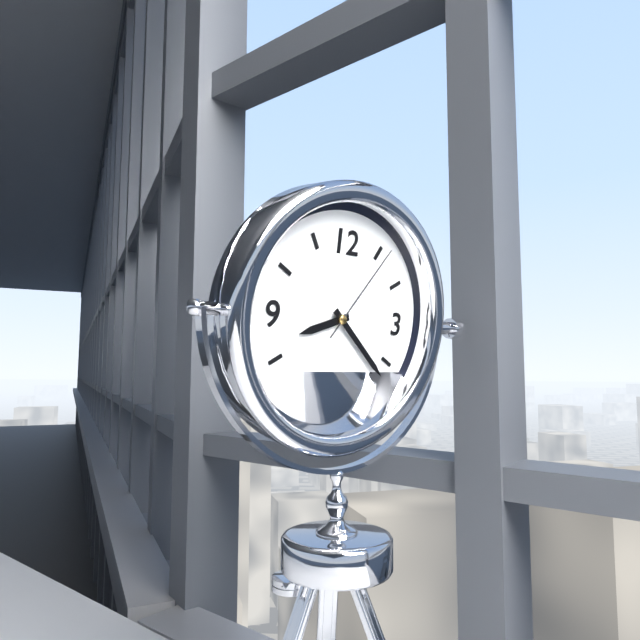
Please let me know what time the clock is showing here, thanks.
8:22:06
